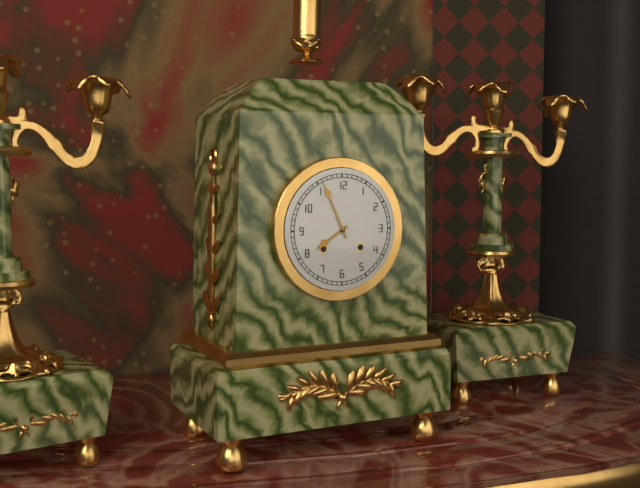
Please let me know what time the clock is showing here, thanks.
7:56
